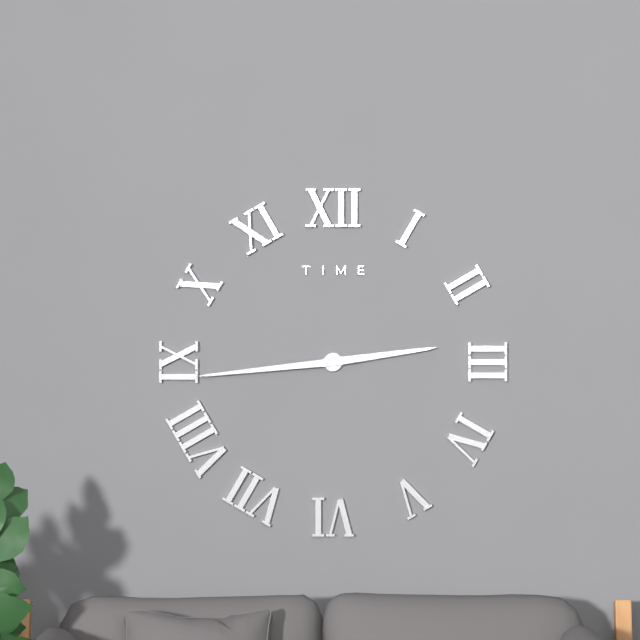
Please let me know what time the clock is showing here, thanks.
2:44
